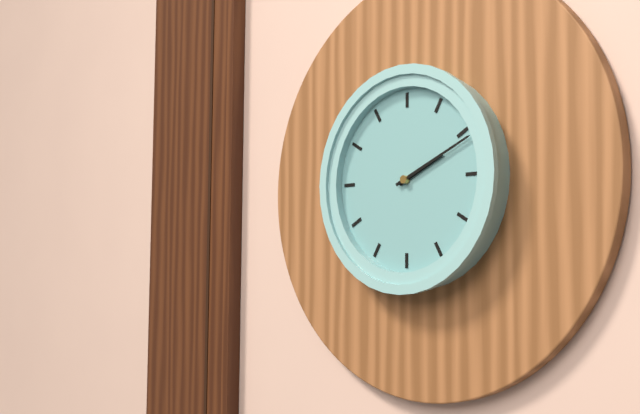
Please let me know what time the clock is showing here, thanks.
2:11
